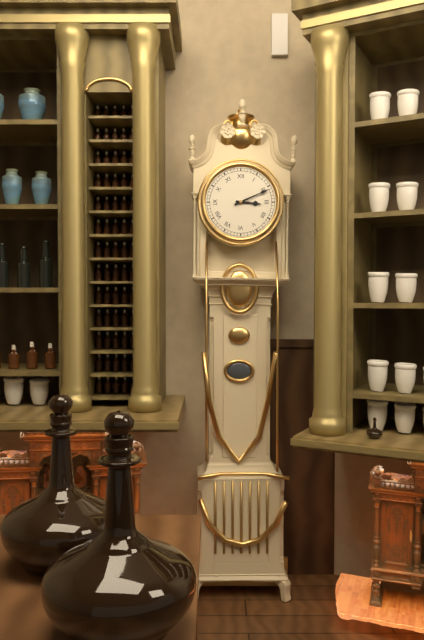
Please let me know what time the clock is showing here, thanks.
3:11
